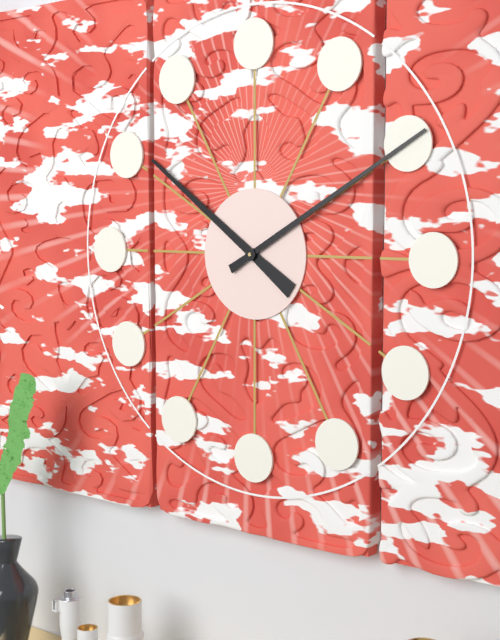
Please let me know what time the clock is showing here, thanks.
10:10
